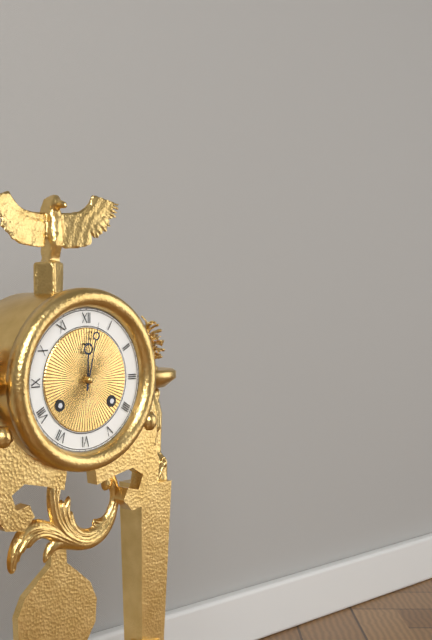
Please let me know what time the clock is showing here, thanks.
12:02
